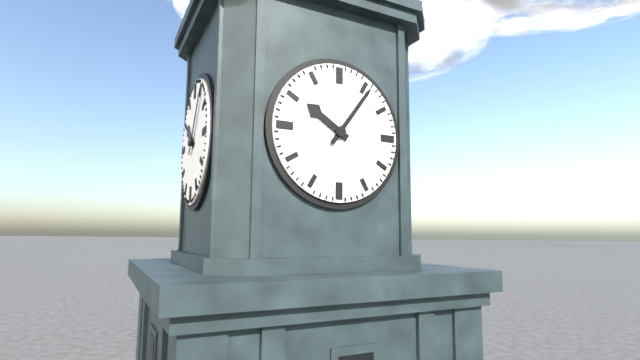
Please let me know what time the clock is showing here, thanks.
10:06
